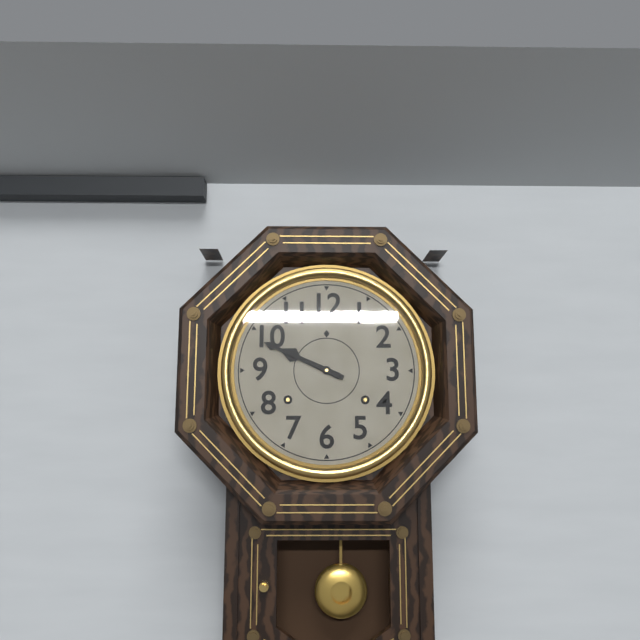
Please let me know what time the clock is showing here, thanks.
9:49
